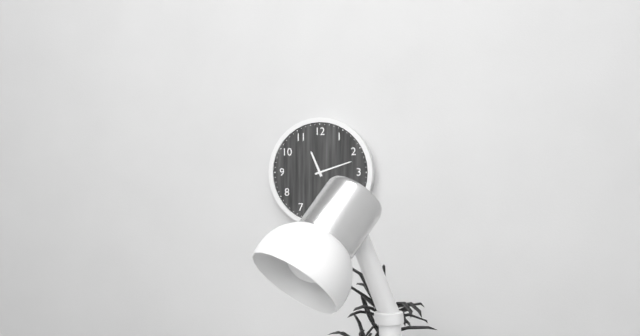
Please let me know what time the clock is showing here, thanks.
11:12
